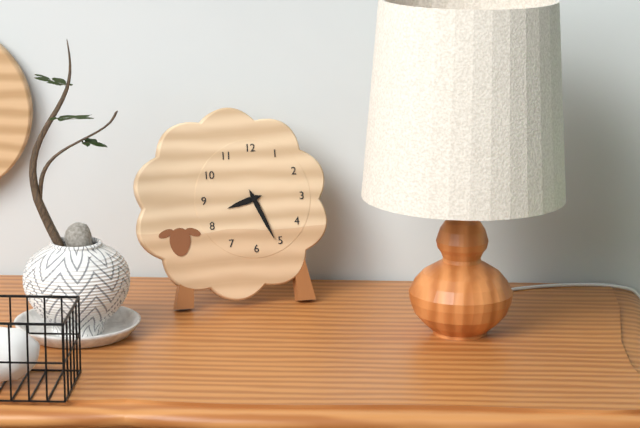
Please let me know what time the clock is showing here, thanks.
8:26
